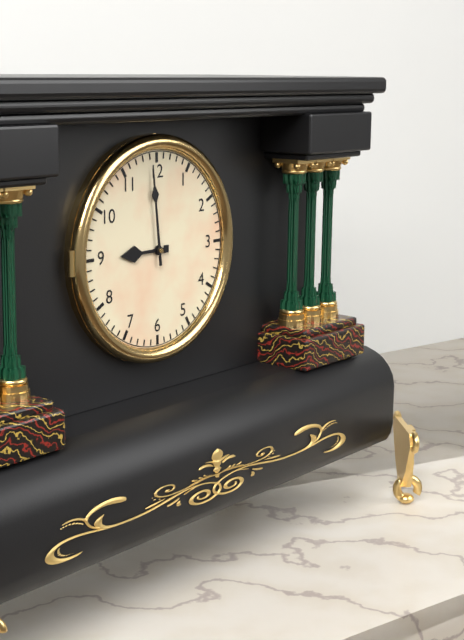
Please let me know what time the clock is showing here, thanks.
8:59
